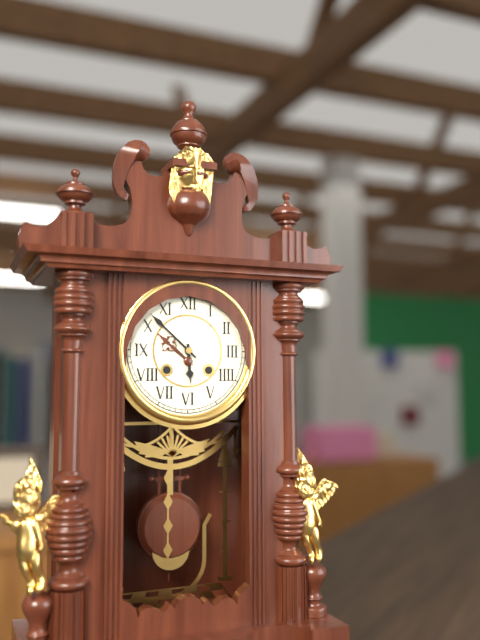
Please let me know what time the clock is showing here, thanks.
5:52
